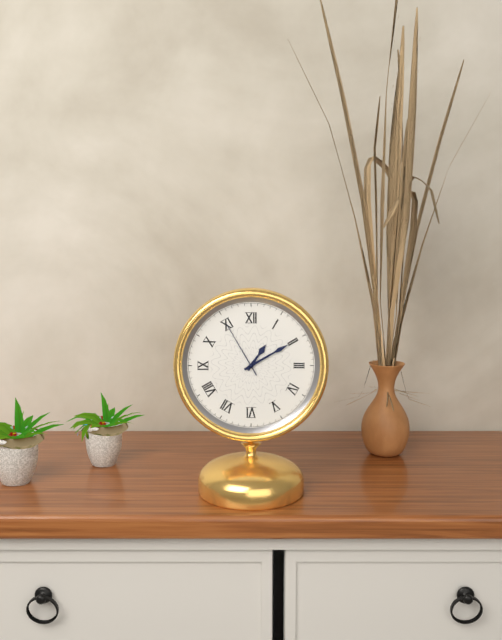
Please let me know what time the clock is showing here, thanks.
1:10:55
